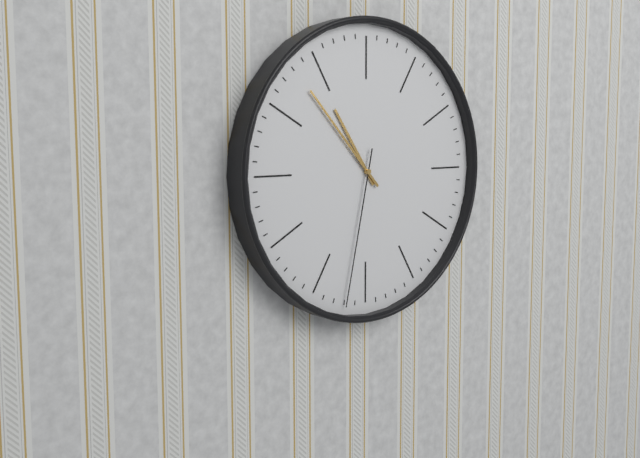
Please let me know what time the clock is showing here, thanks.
10:53:32
